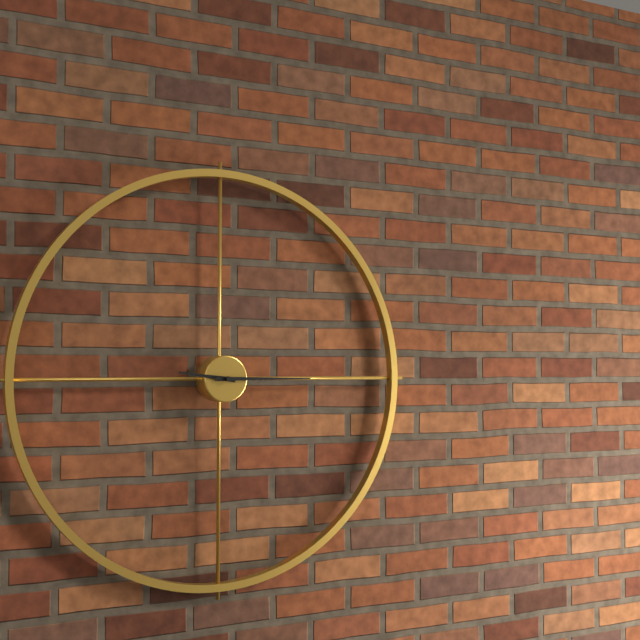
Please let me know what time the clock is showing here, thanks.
9:15
